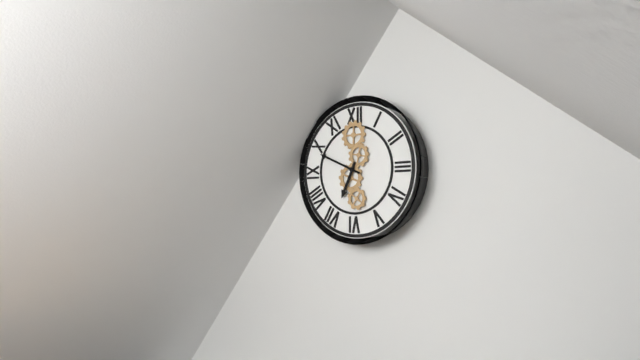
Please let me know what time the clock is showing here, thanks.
6:49
